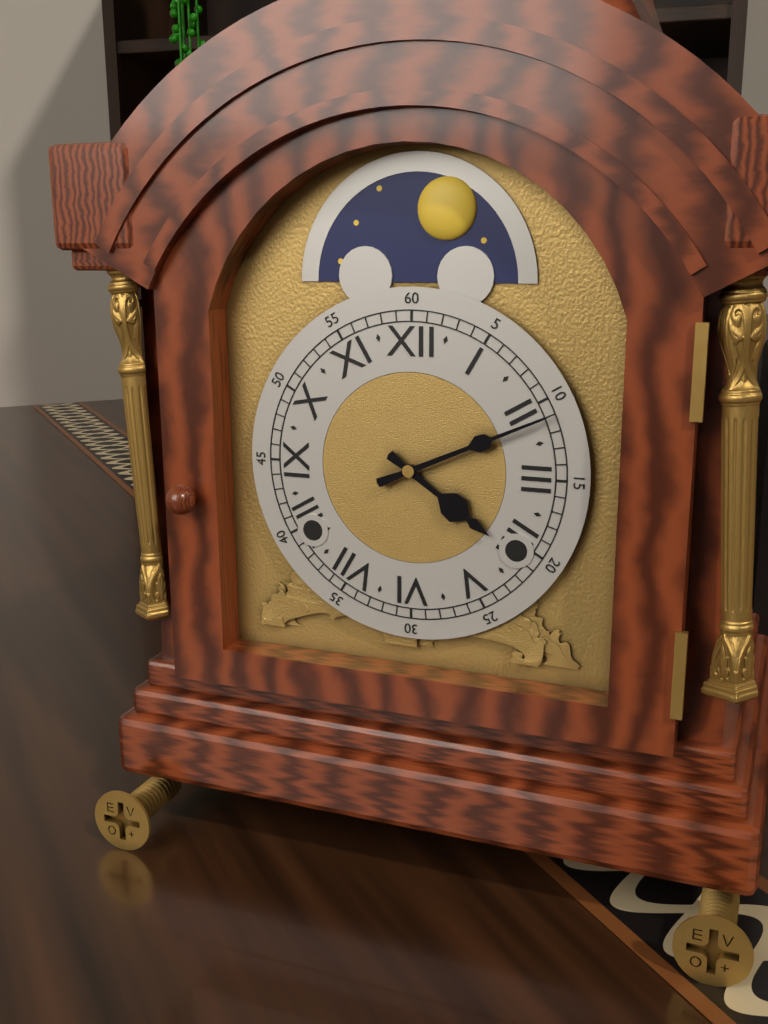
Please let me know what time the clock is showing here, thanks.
4:11
